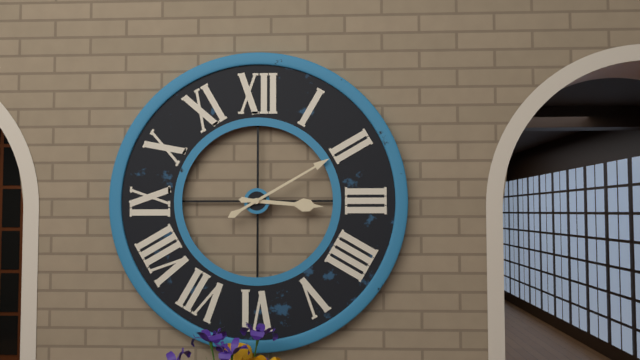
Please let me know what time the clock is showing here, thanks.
3:10
